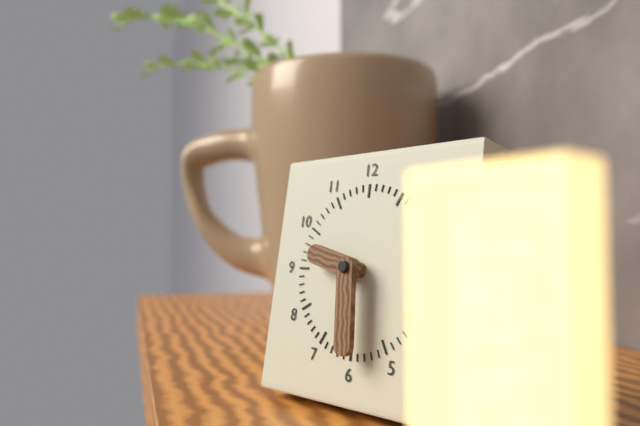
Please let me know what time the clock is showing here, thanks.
9:29
